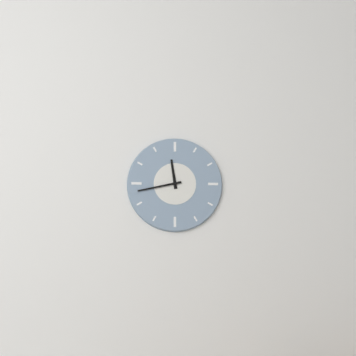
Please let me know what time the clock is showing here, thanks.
11:43
